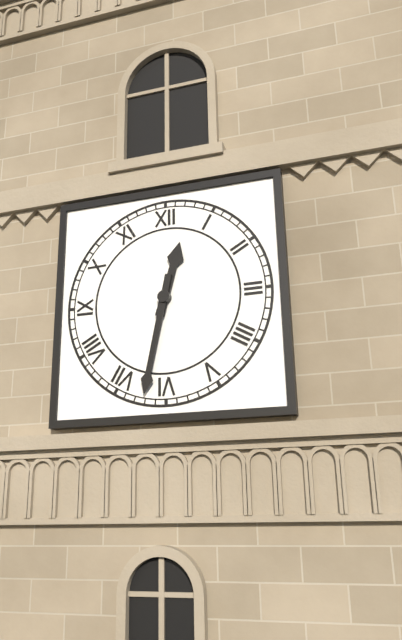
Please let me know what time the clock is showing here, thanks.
12:32
